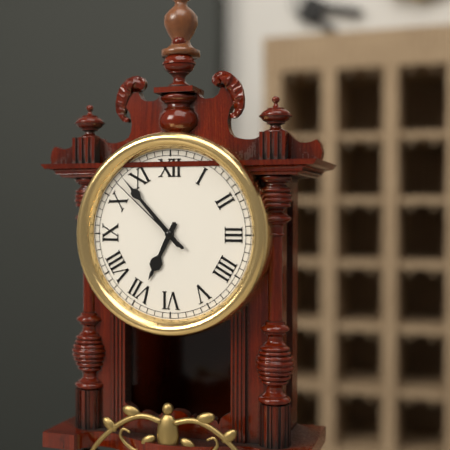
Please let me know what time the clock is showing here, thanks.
6:53:52
